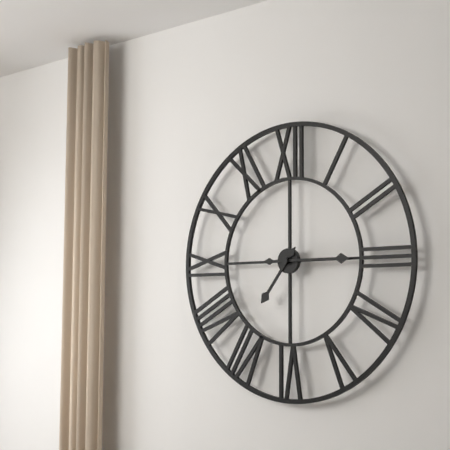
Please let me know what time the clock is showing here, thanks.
7:15
